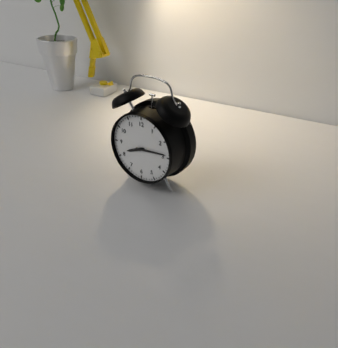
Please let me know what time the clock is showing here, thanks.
8:14
